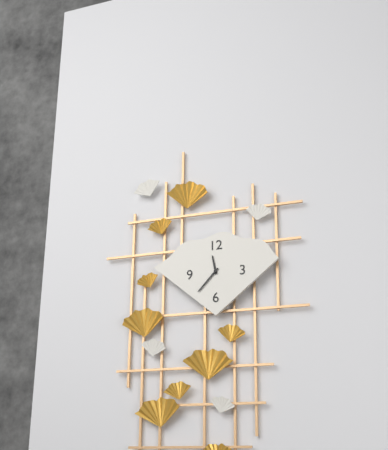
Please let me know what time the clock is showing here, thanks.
11:37
